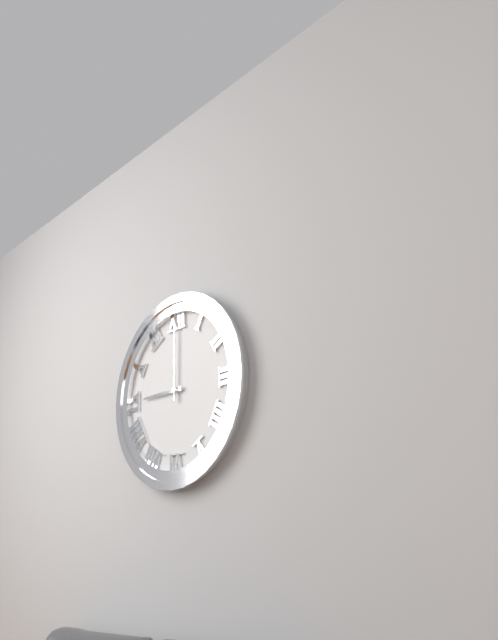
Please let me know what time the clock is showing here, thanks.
9:00
